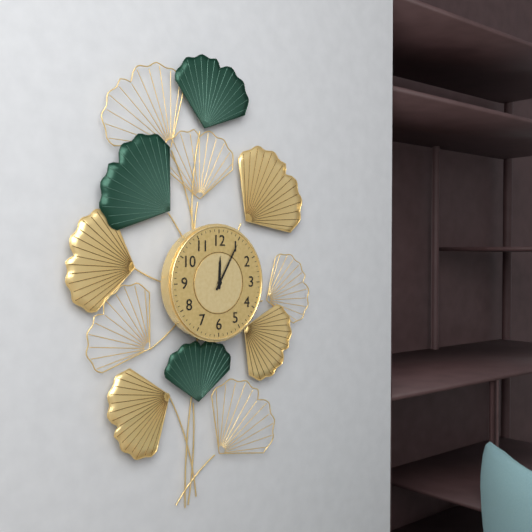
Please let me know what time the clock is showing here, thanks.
12:05
